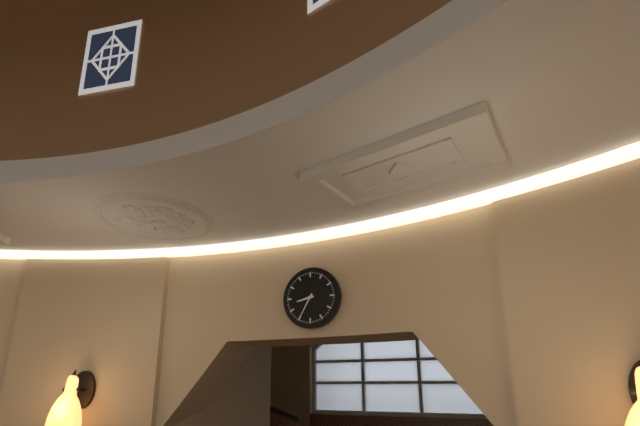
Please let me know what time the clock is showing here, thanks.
8:35
